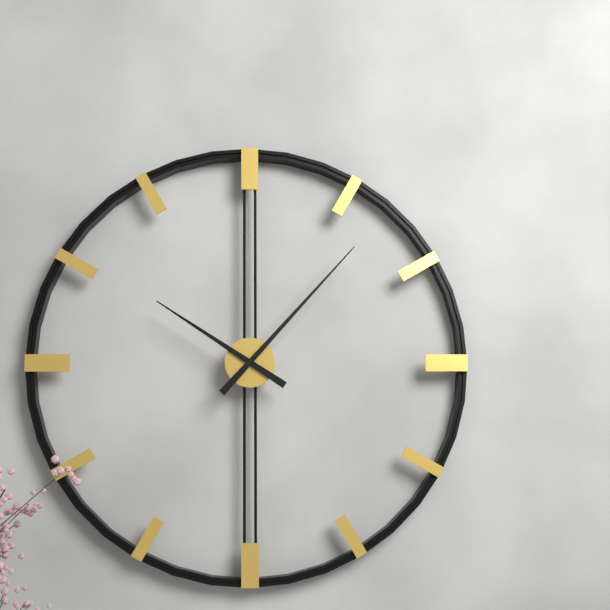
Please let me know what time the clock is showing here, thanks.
10:07
